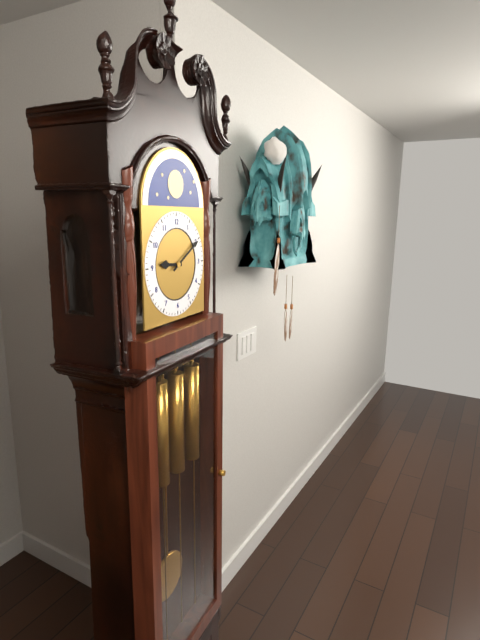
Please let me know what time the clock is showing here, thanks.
9:10
